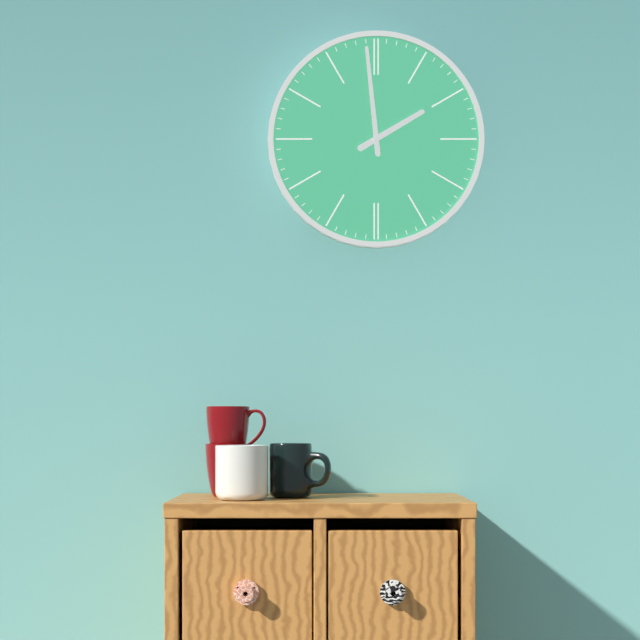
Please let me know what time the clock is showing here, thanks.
1:59
